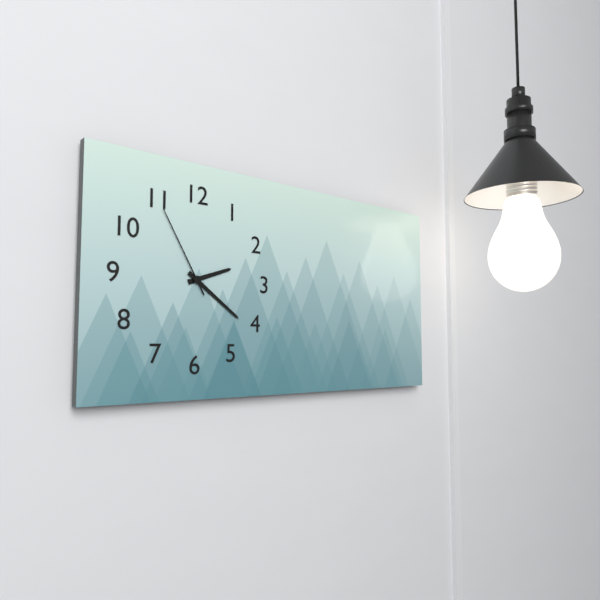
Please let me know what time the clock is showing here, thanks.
2:21:55
